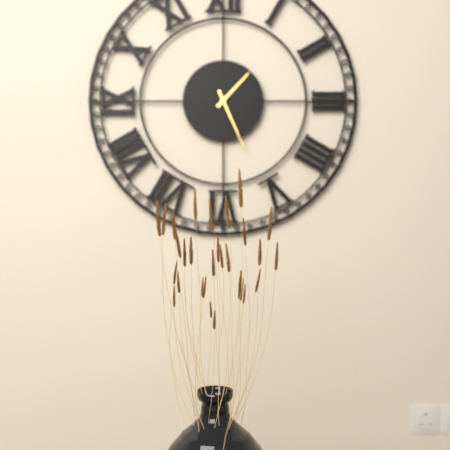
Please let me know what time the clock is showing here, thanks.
1:26
